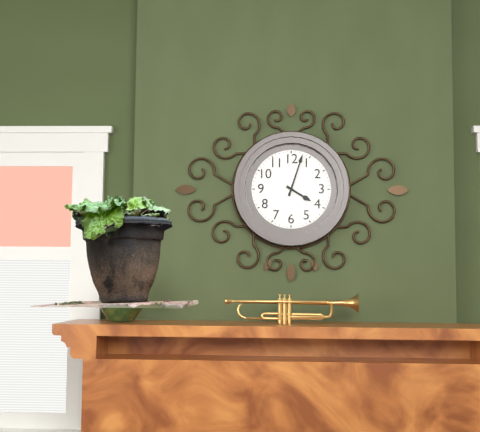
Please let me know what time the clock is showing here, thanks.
4:03
